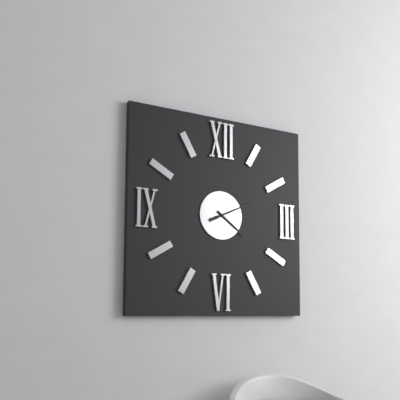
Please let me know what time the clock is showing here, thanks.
4:11
